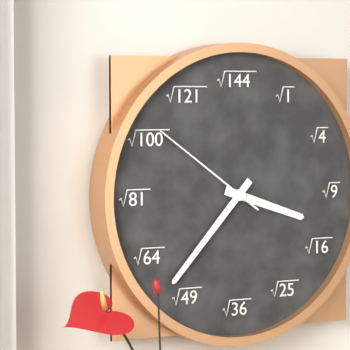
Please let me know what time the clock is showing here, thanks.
3:37:51
